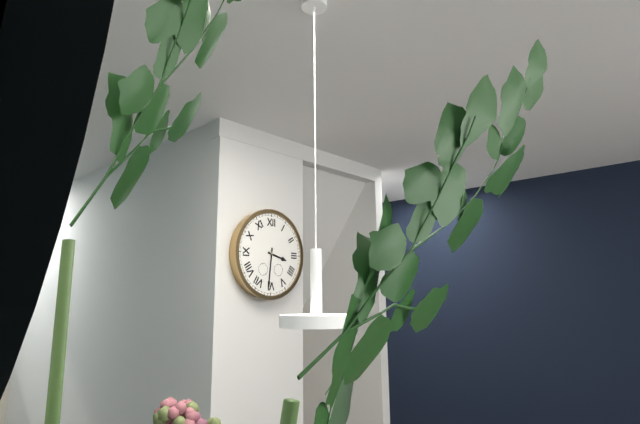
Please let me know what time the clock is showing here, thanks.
3:31
